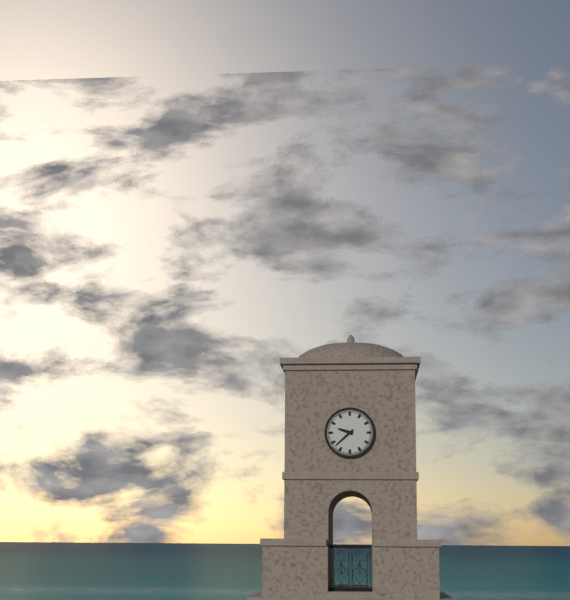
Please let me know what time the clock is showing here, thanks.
9:38
